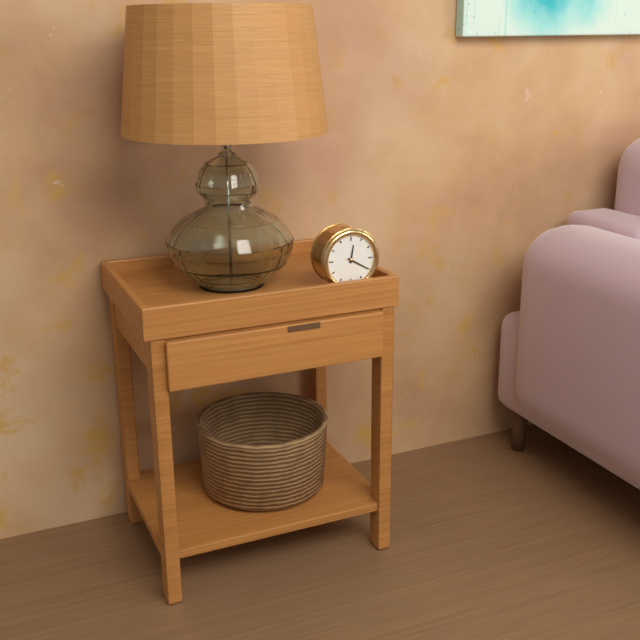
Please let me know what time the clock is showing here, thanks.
12:20
